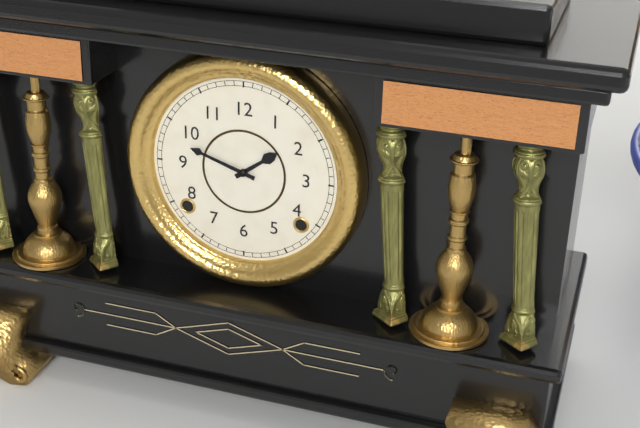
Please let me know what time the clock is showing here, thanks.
1:48
